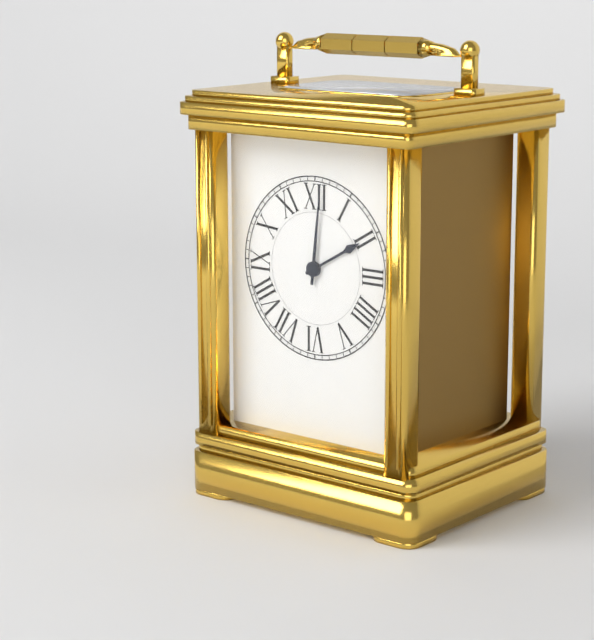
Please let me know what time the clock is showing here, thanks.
2:01
